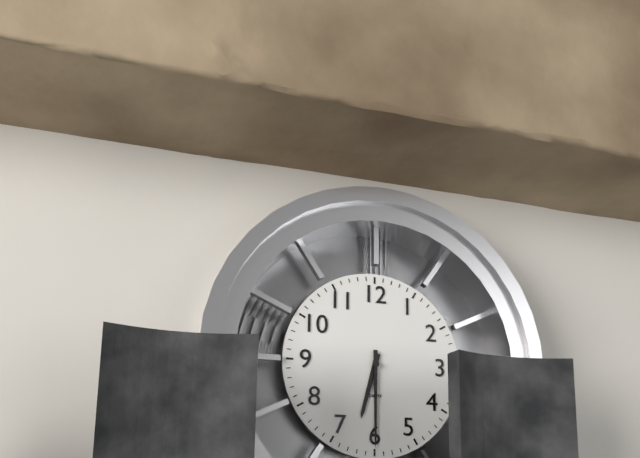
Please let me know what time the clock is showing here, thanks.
6:30
